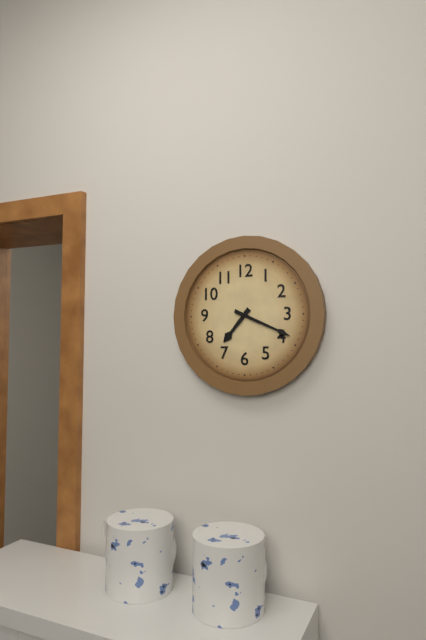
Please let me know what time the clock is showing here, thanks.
7:19
